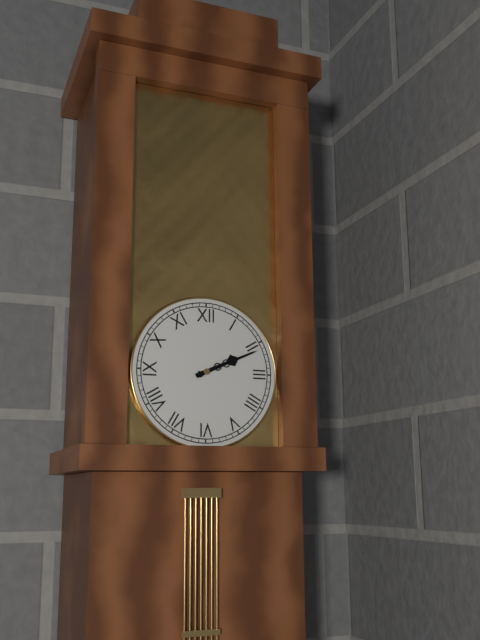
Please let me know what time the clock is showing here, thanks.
2:11
